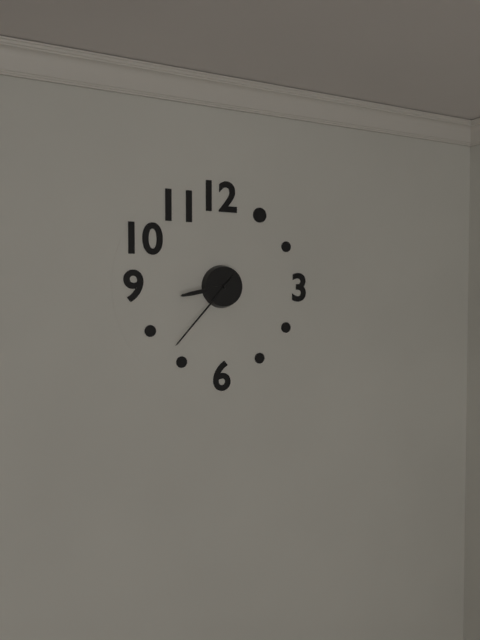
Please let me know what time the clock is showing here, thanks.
8:37
